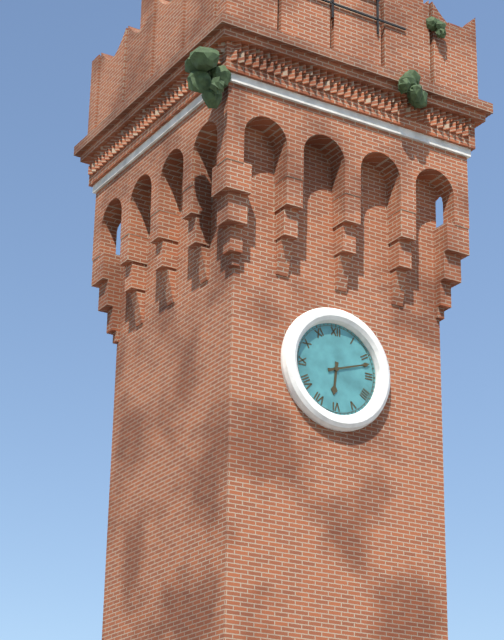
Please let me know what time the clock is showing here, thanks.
6:12
